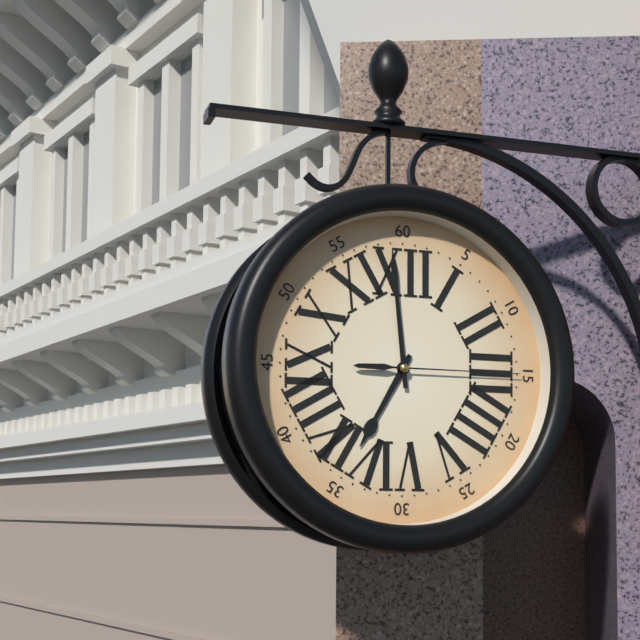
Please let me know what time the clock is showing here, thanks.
6:59:15
